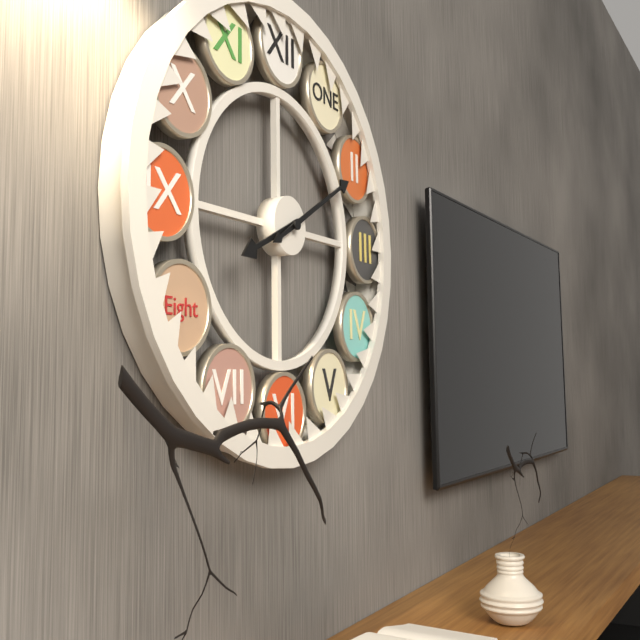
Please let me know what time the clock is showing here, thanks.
8:10
